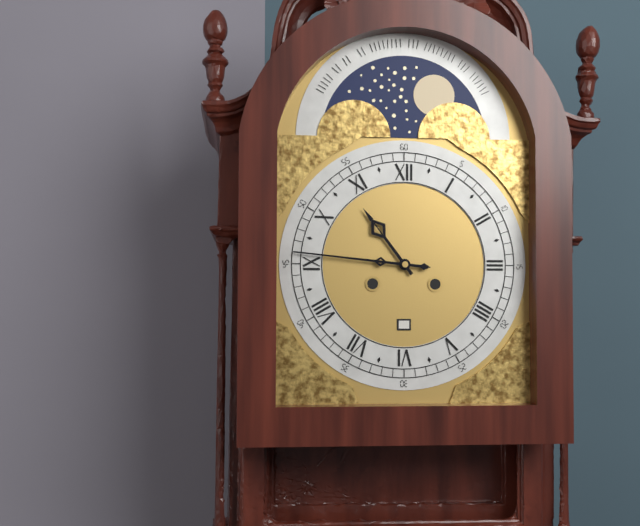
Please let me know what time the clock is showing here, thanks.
10:46
